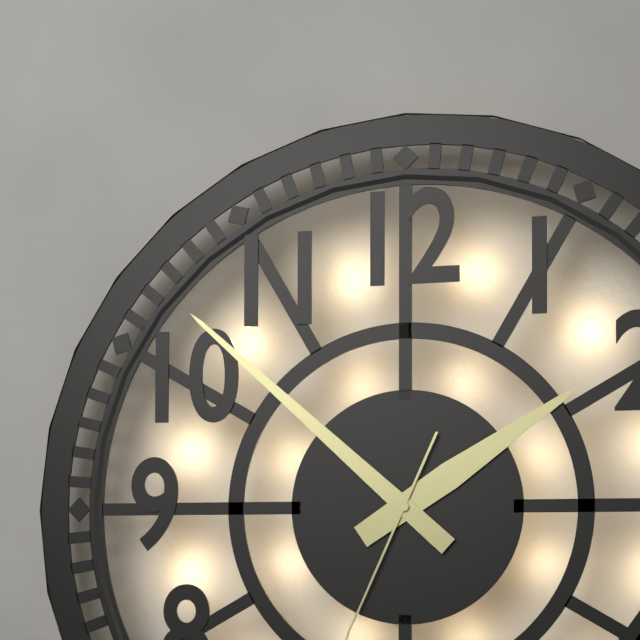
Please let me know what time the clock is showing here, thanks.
1:52
